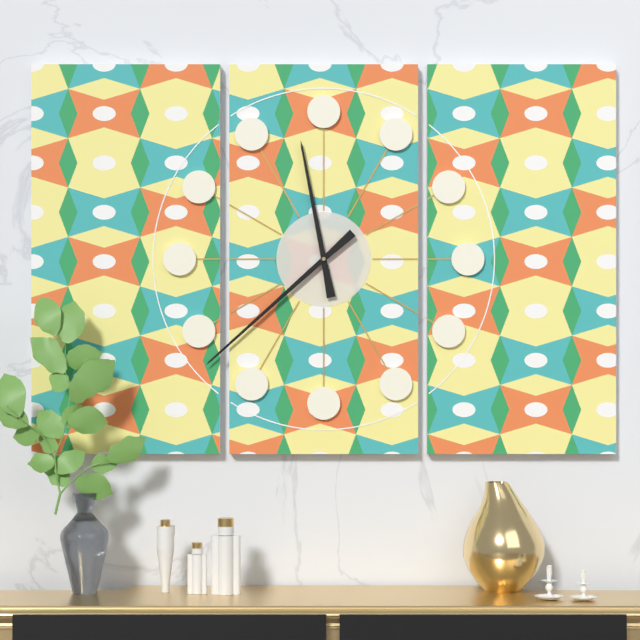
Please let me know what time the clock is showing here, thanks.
11:38
